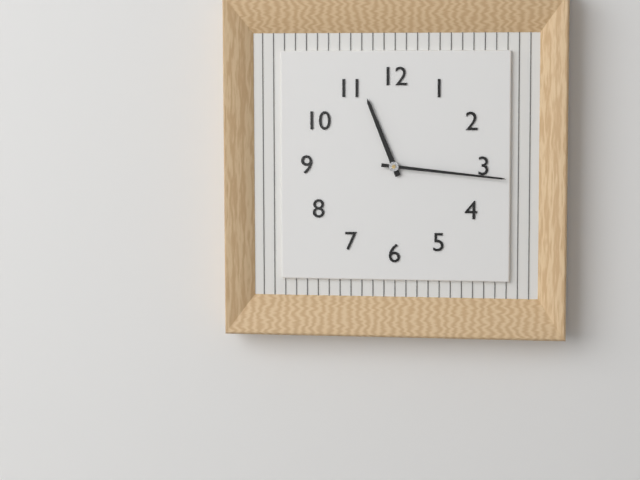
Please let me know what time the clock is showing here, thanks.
11:16
